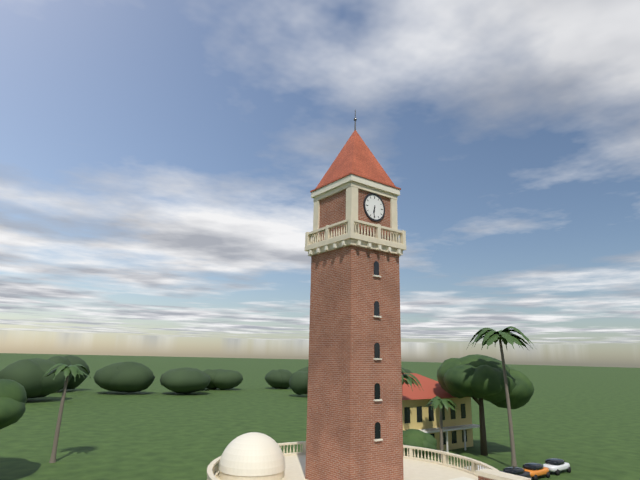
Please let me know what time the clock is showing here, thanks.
6:31
